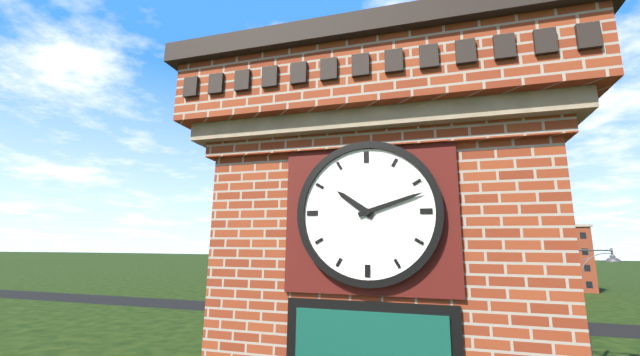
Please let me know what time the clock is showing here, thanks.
10:12
